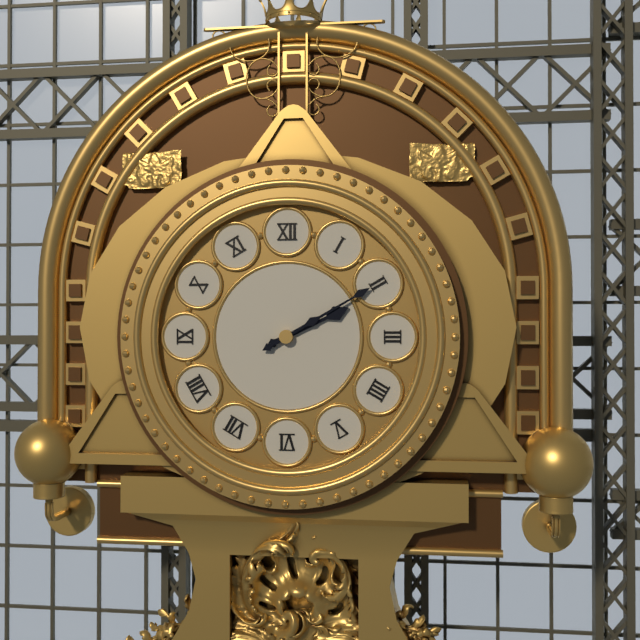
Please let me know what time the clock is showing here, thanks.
2:10
